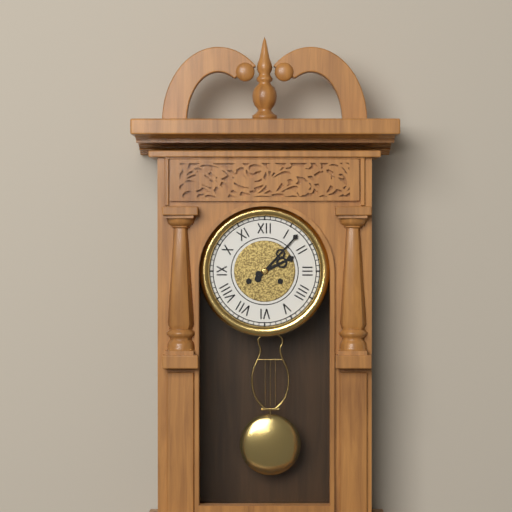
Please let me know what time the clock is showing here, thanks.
2:07
